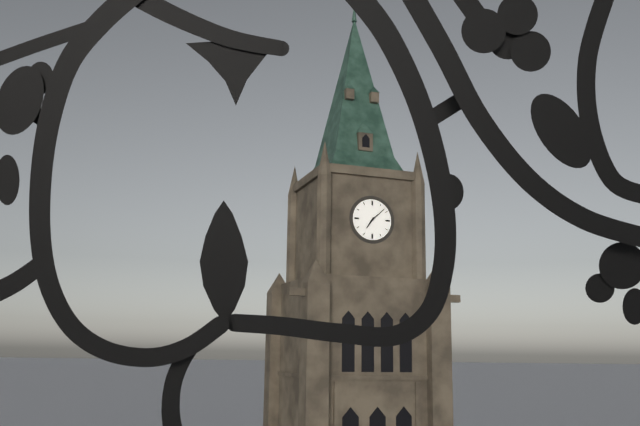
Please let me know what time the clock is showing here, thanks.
7:08
